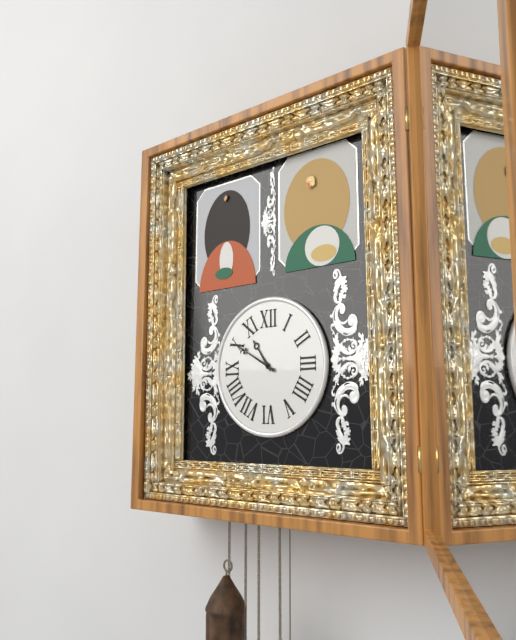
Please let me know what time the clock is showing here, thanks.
10:50
